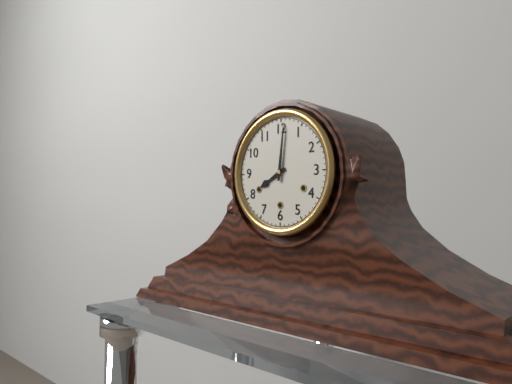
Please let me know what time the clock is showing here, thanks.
8:01
